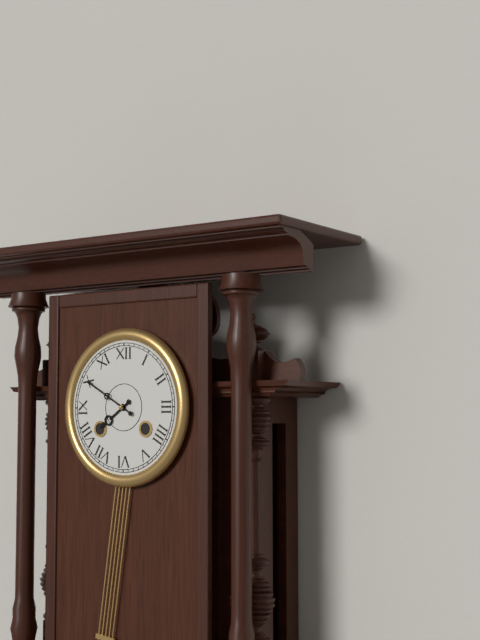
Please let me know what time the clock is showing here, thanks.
7:50
